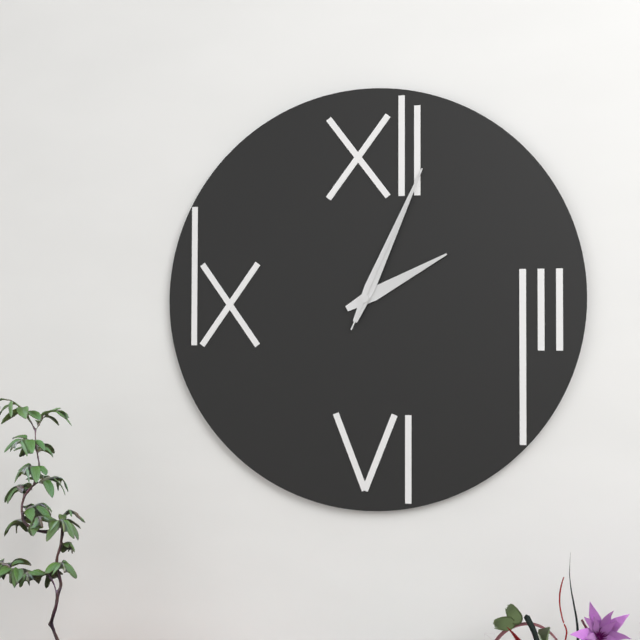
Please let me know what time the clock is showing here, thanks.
2:04:04
